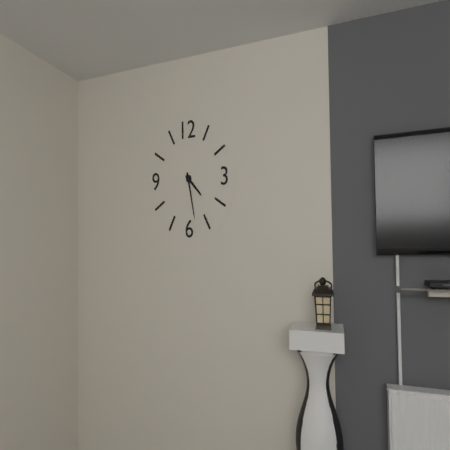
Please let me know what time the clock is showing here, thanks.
4:28
